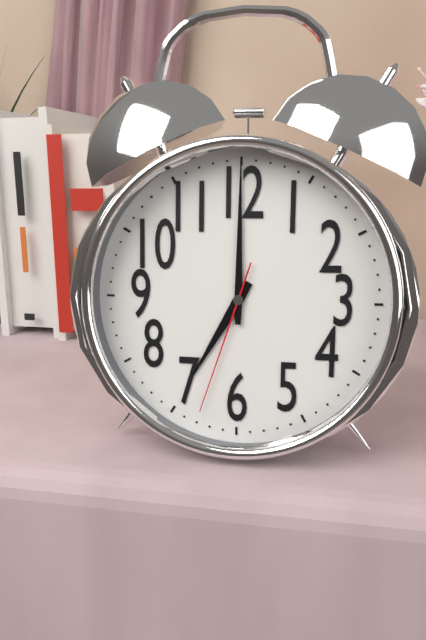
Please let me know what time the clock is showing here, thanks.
7:00:33
